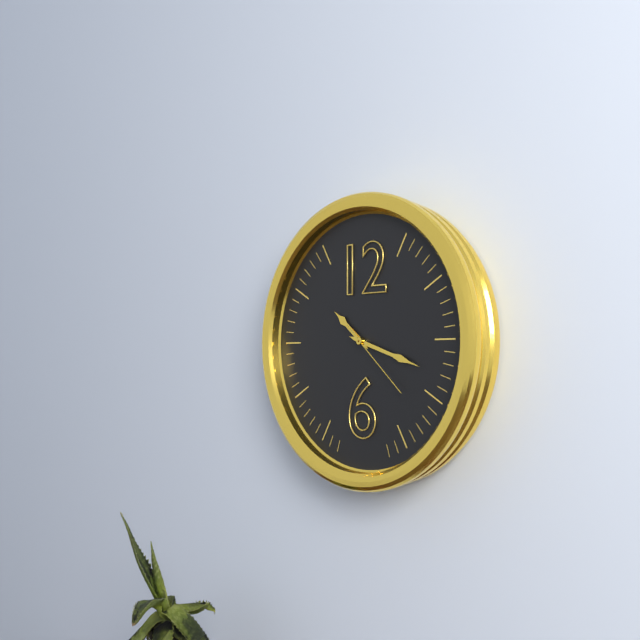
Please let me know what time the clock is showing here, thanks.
10:18:22
